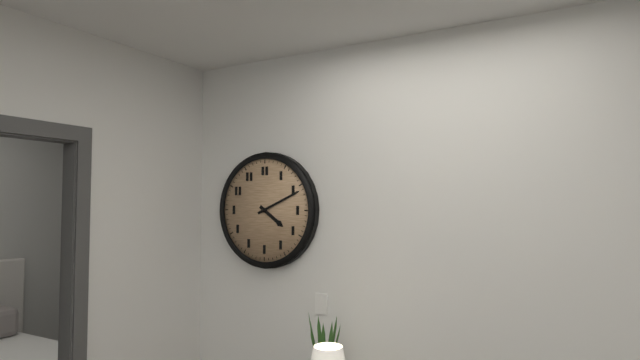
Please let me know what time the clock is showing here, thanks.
4:11
